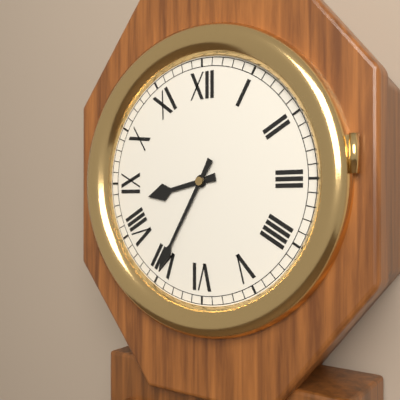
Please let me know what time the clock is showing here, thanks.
8:35
